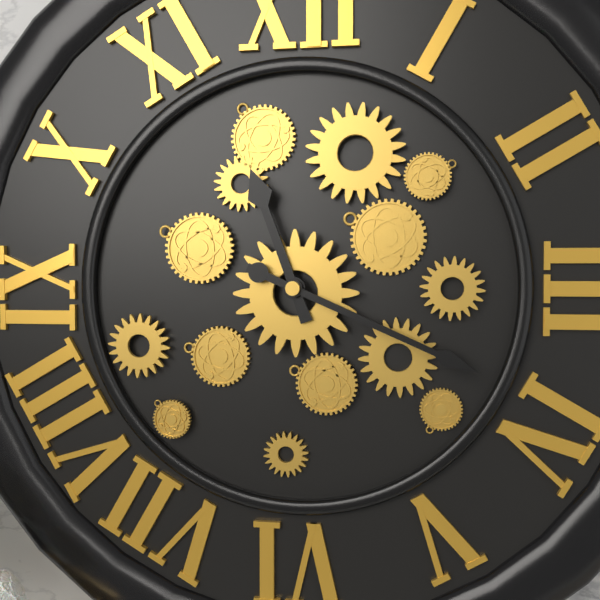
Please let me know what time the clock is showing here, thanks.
11:19
